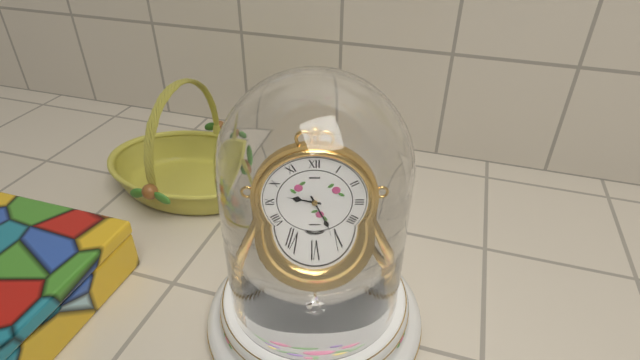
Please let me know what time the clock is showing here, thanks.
9:26
